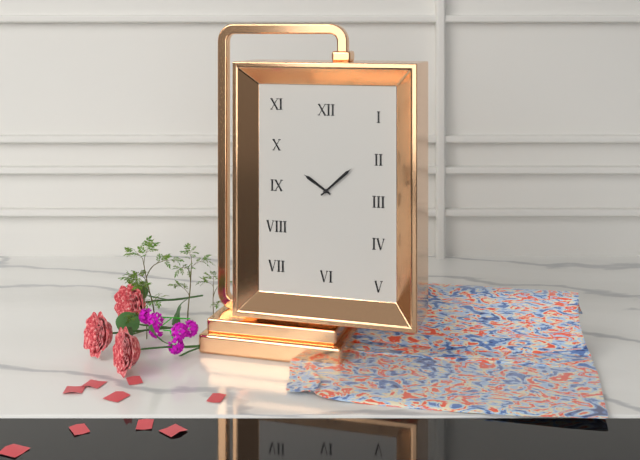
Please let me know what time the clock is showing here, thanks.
10:08
